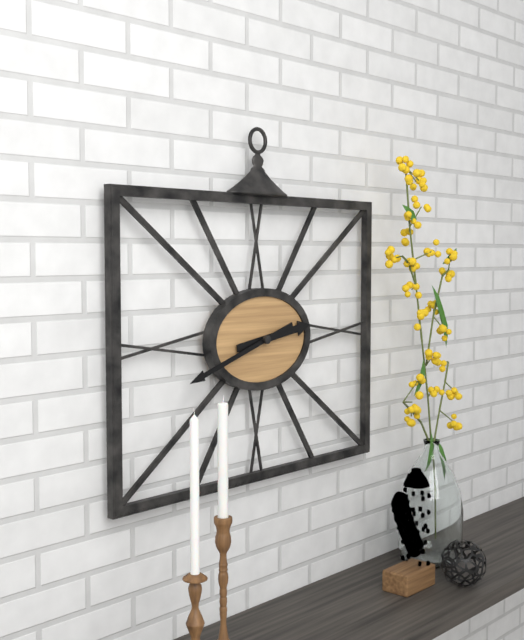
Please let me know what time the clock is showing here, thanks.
2:42
